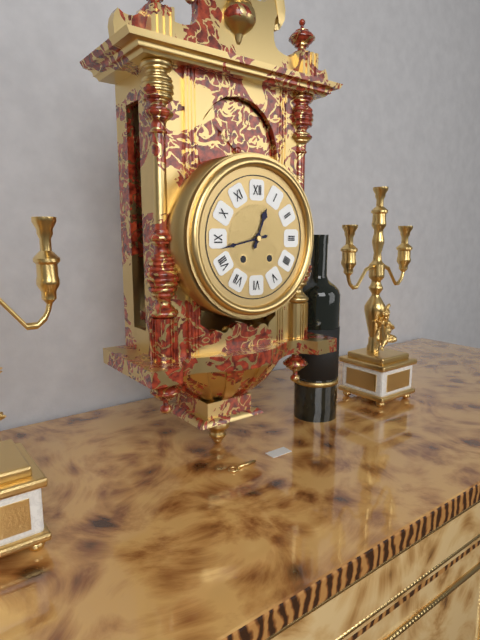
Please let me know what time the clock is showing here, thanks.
12:43
